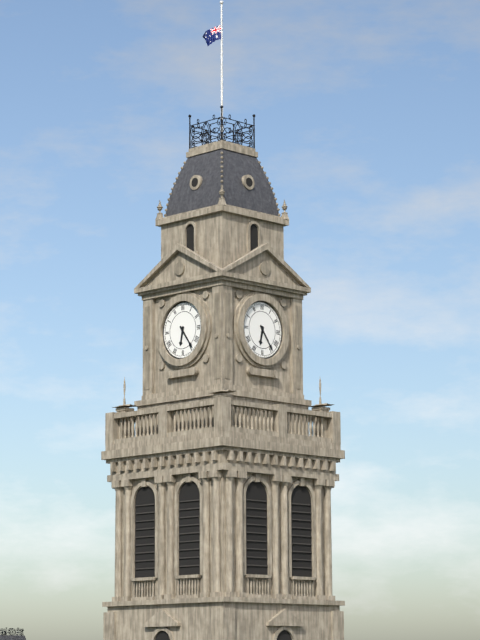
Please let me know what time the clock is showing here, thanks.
6:24
